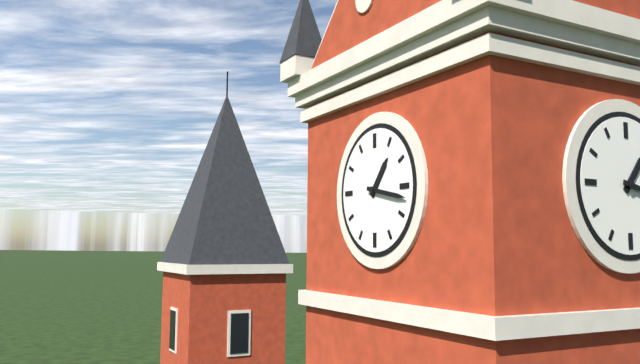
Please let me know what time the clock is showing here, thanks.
1:17
